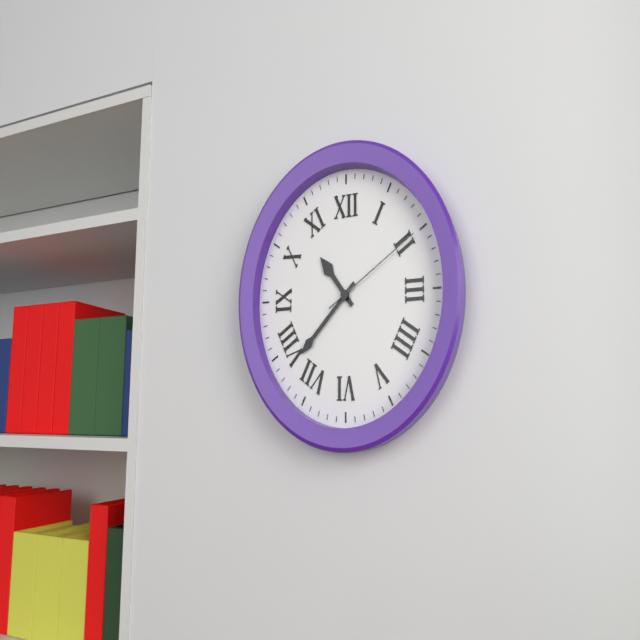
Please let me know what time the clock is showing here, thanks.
10:38:10
